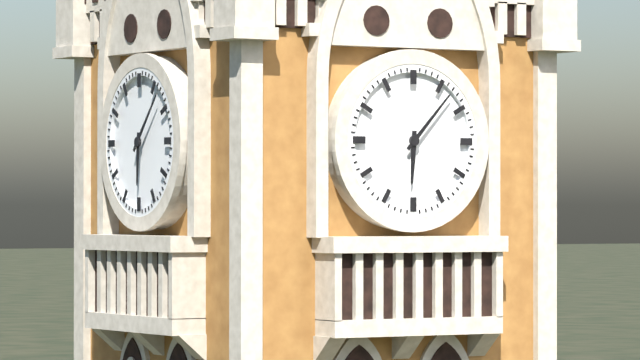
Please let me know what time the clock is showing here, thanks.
6:07
